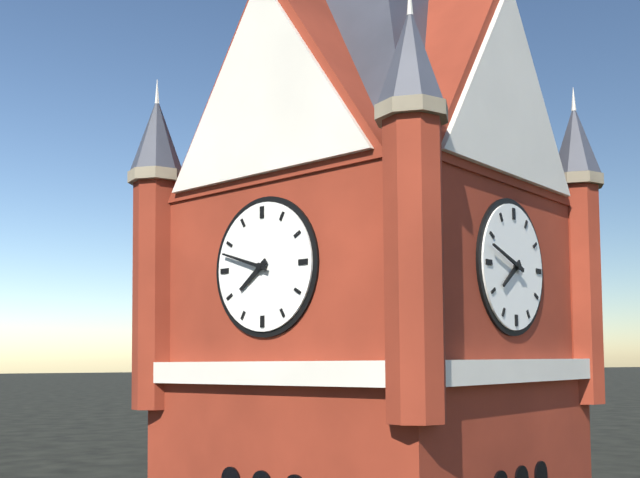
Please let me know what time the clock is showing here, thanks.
7:48
